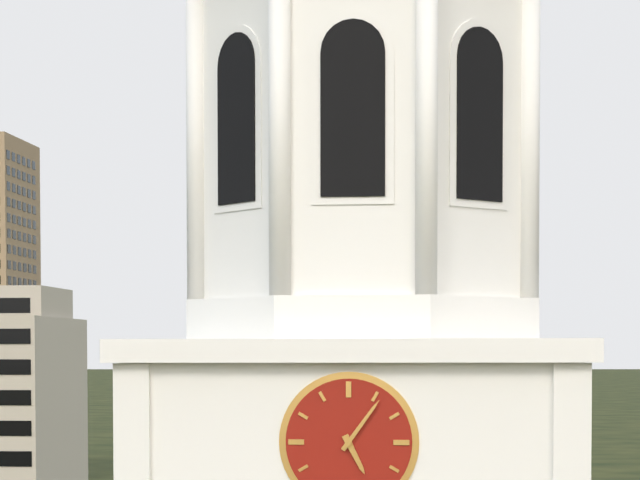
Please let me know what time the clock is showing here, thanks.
5:06
